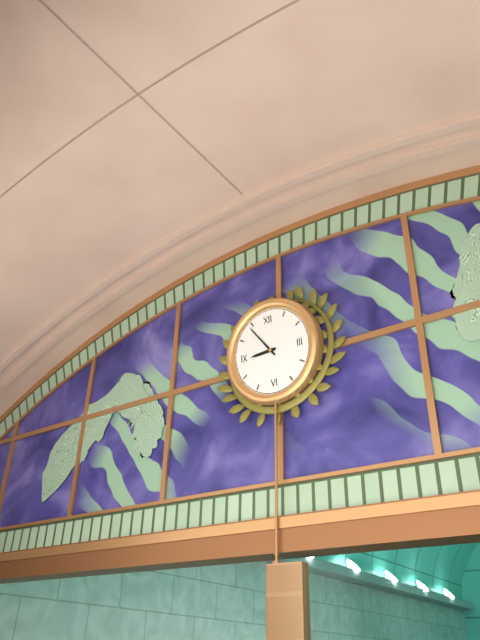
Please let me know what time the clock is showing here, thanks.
8:54
